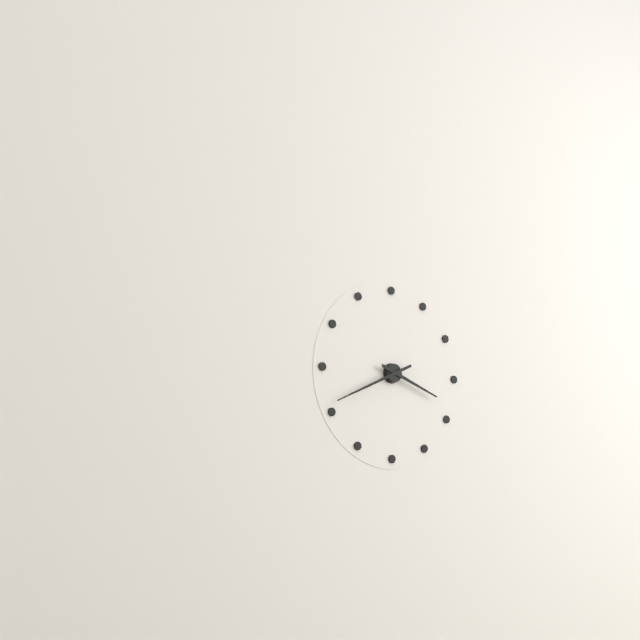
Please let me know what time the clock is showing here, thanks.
3:41
